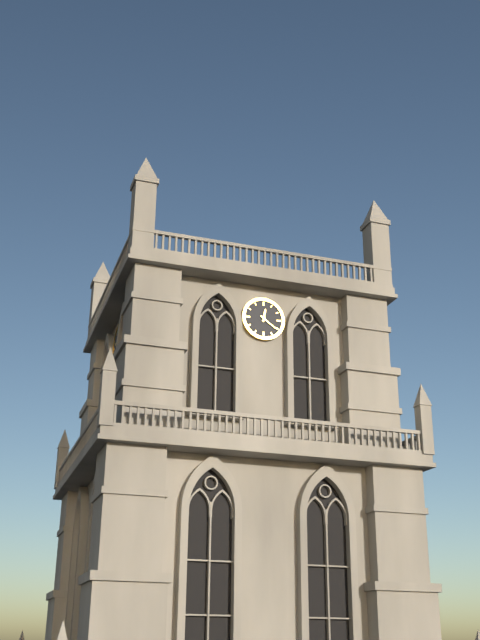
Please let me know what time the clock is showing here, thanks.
12:21
